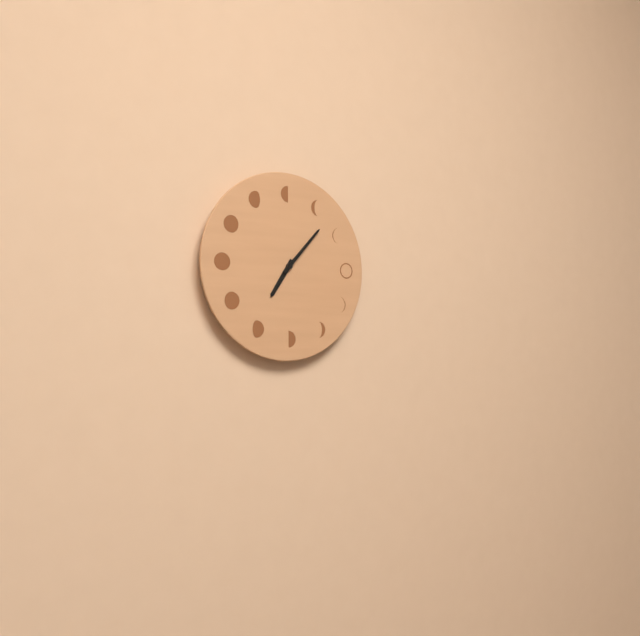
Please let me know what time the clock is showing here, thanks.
7:07
